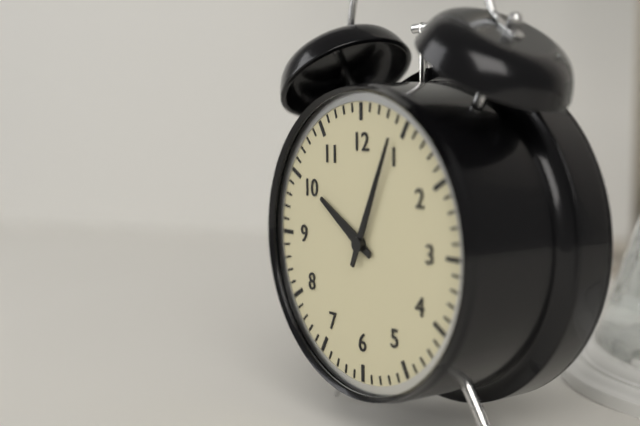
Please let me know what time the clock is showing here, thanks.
10:04
